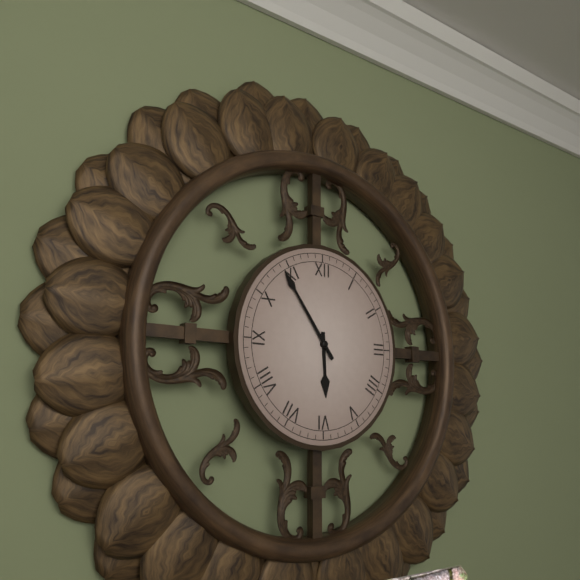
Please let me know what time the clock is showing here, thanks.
5:54
